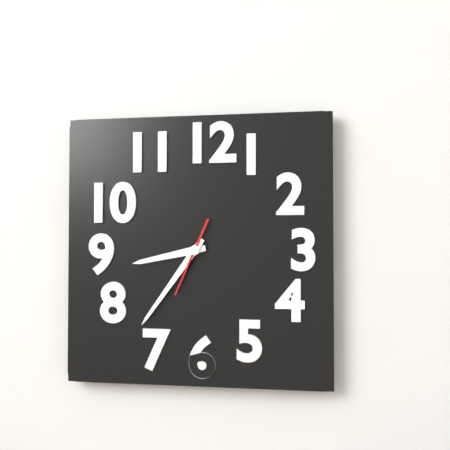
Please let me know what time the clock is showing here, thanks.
8:36:34
